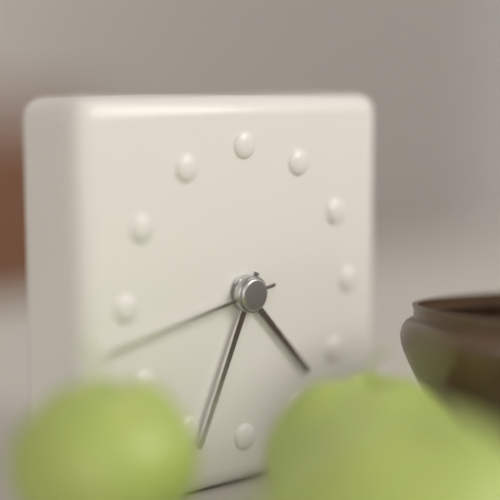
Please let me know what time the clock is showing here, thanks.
4:34:43
